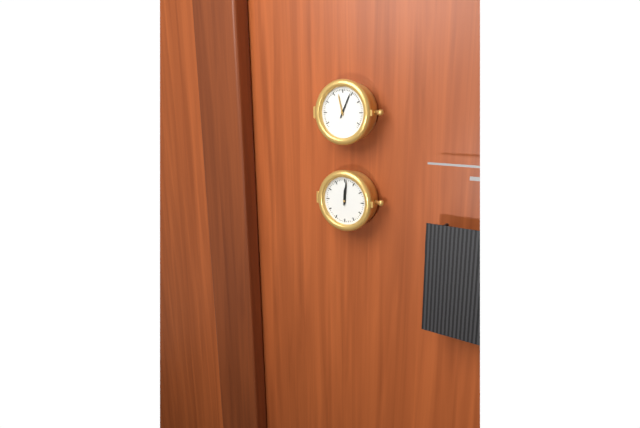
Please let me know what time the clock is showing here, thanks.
12:01
